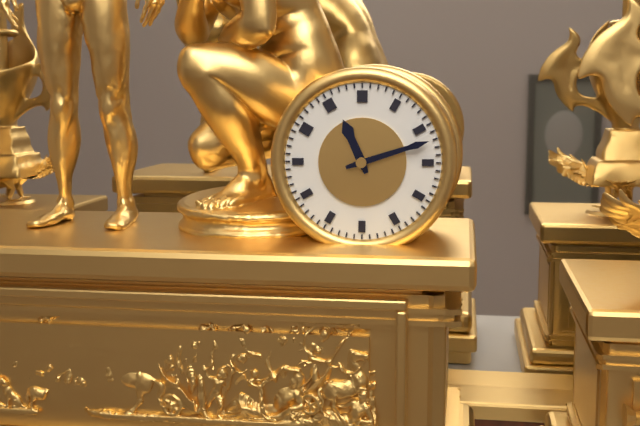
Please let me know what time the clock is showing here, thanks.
11:12
